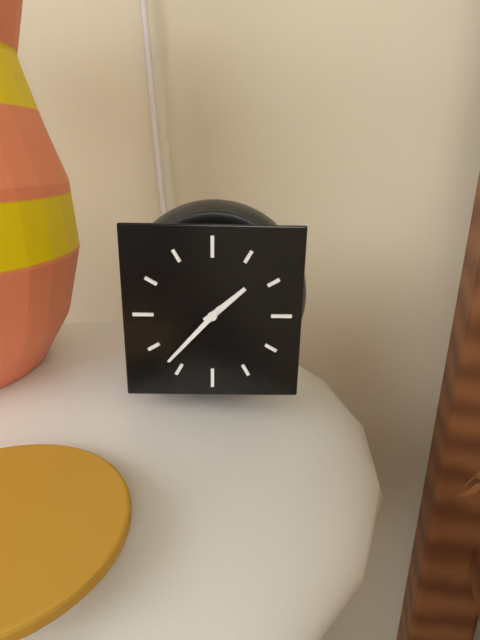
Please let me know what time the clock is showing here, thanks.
1:37
